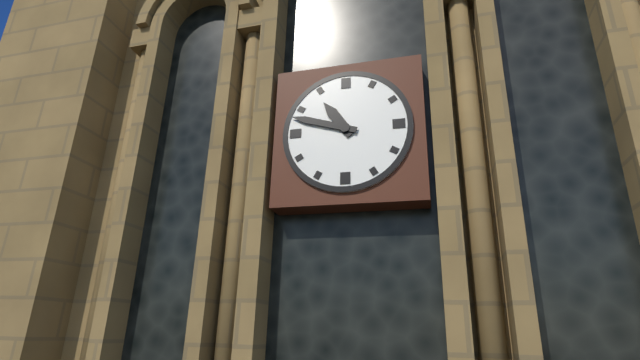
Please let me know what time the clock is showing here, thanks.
10:48
